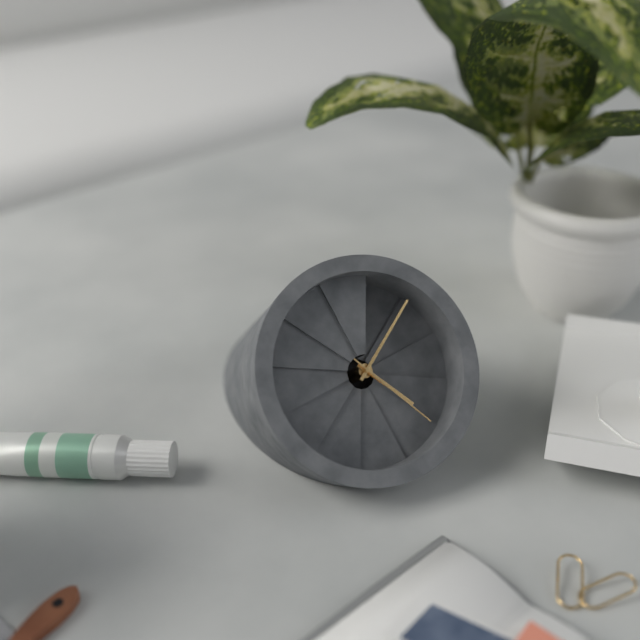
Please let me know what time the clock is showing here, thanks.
4:05:21
